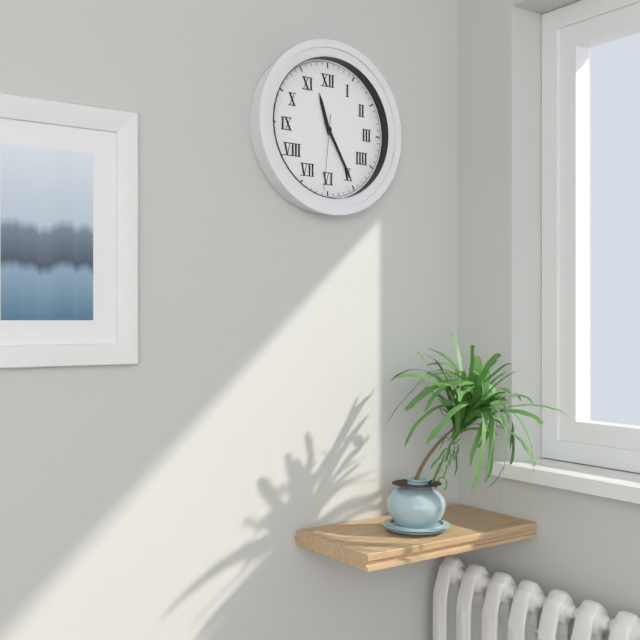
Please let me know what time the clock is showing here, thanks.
11:25:31
